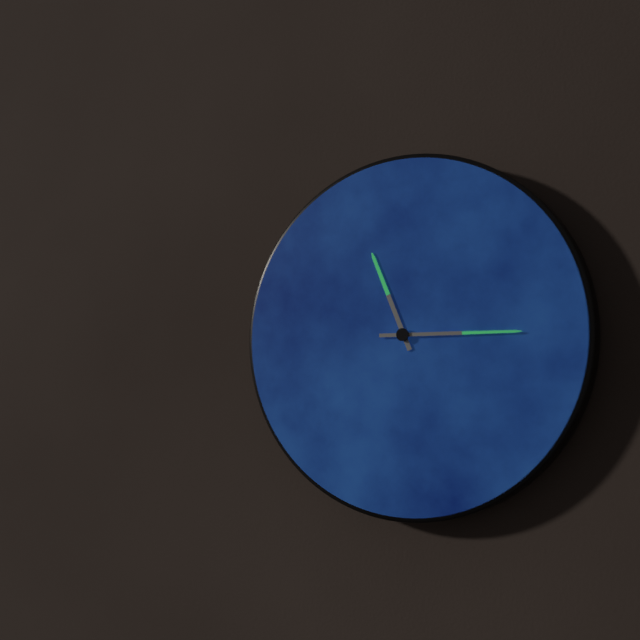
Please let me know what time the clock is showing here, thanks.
11:15
